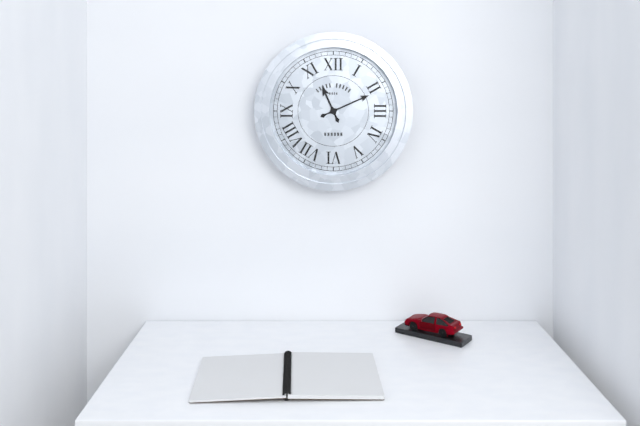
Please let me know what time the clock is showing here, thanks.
11:11
